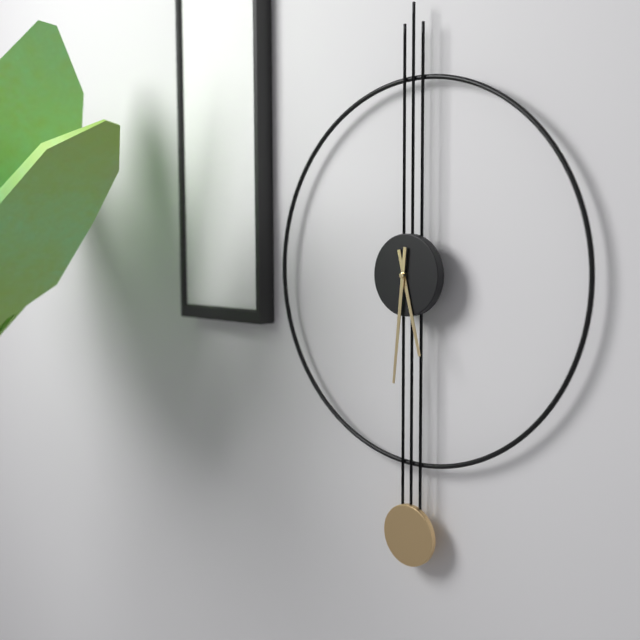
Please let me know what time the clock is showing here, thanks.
5:31
